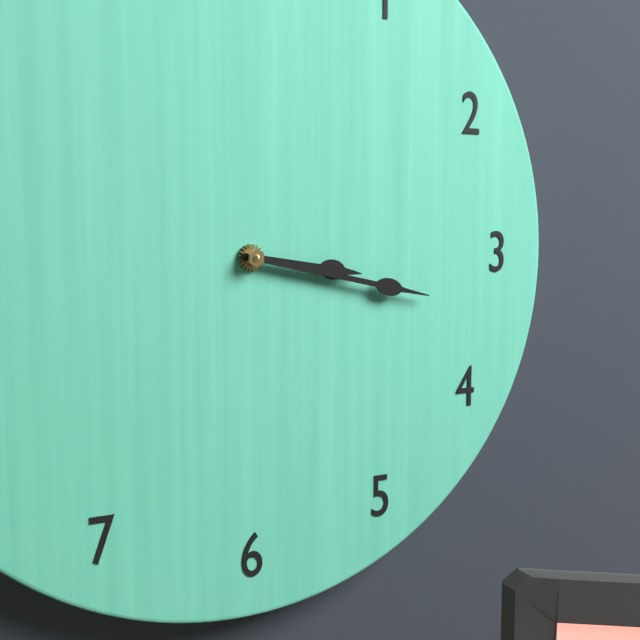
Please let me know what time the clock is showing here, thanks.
3:17
